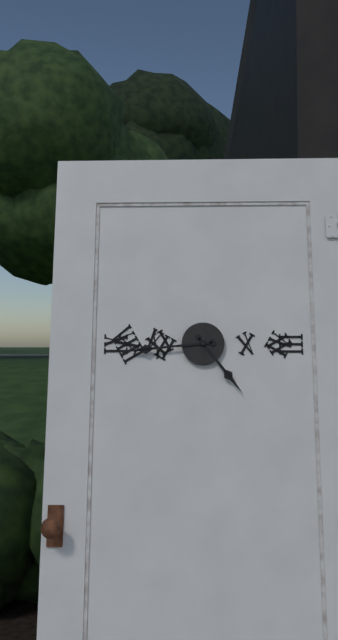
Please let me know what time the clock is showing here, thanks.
4:44
